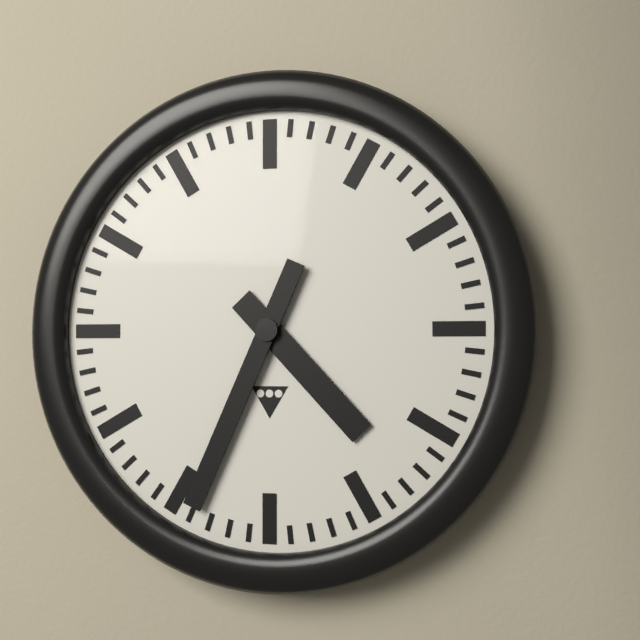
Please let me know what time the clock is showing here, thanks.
4:34
